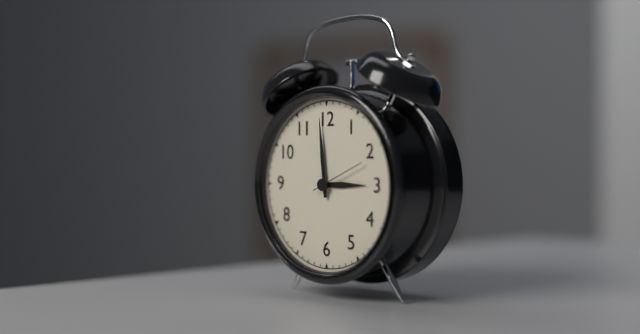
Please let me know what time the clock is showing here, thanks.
2:59:11
